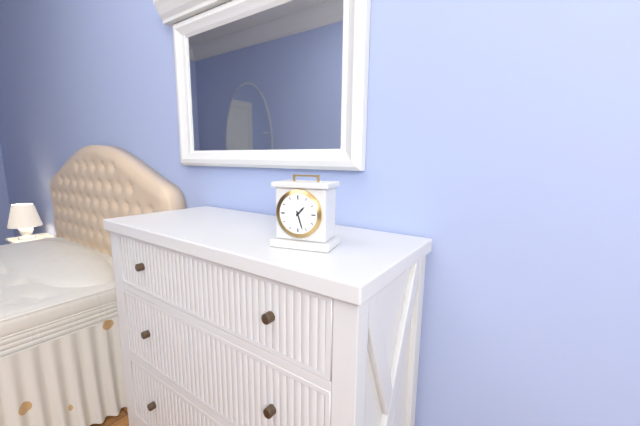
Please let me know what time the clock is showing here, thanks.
1:27
